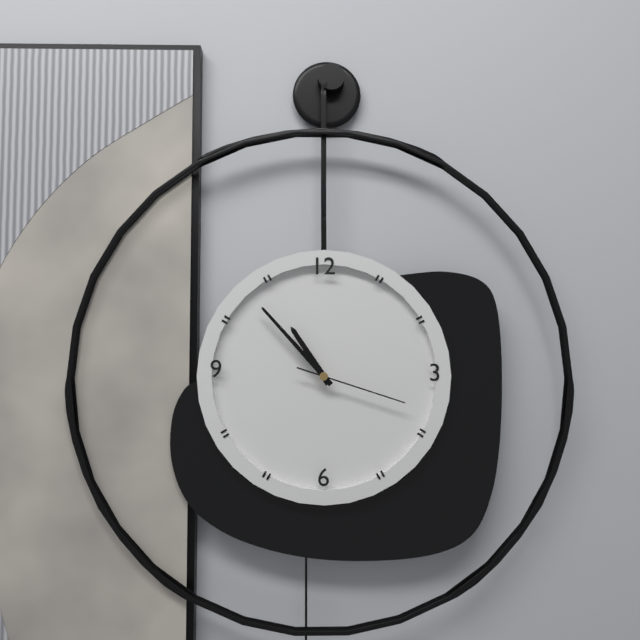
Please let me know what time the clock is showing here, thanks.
10:53:18
